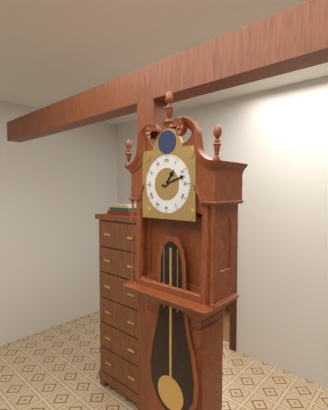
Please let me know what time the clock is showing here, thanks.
1:12
